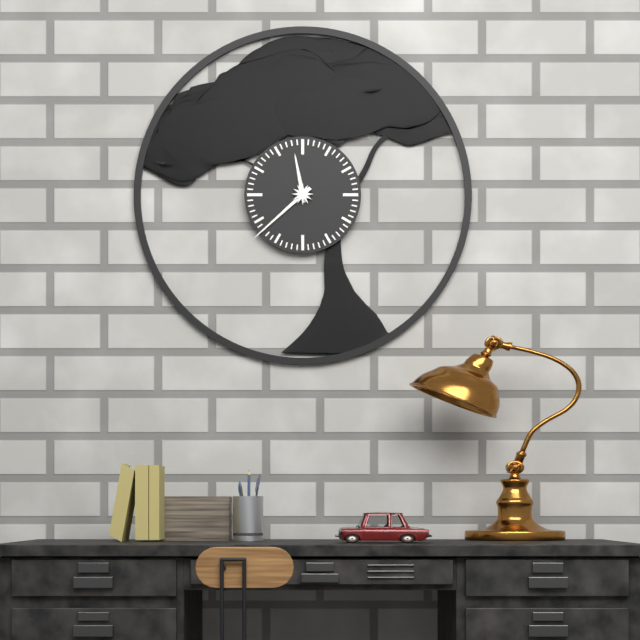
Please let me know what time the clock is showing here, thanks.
11:38
